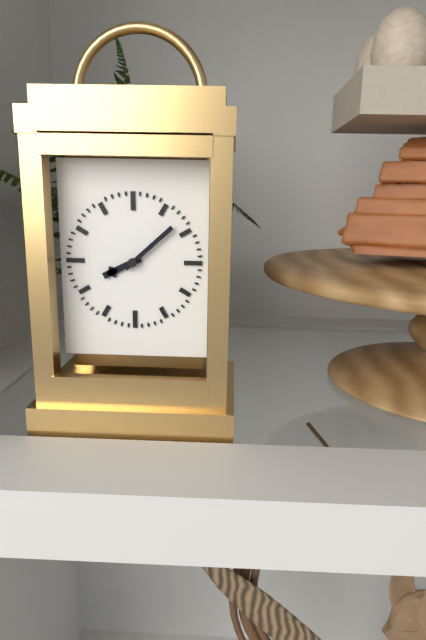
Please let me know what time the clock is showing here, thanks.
8:08
